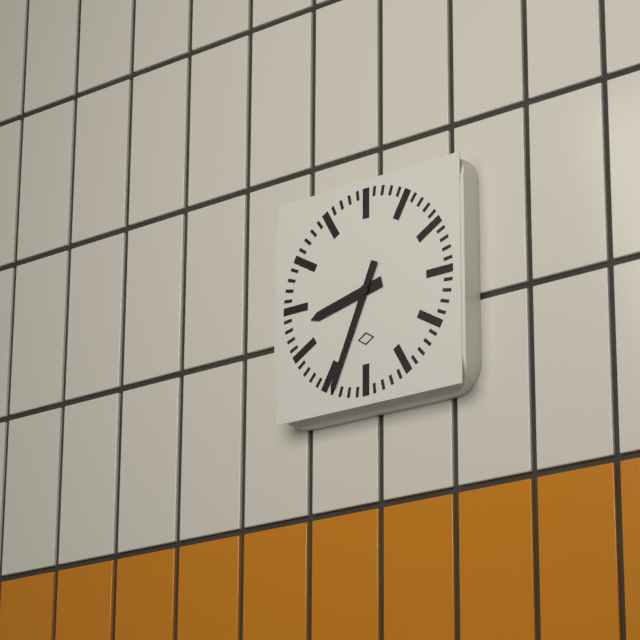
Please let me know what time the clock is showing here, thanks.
8:34
